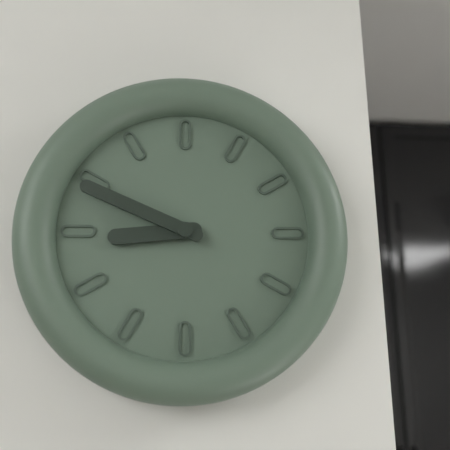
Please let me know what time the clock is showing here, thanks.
8:49
